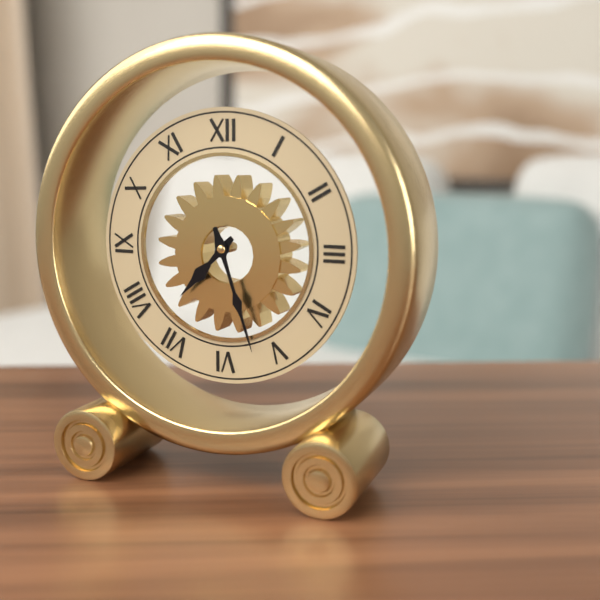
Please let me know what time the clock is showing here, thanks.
7:27
